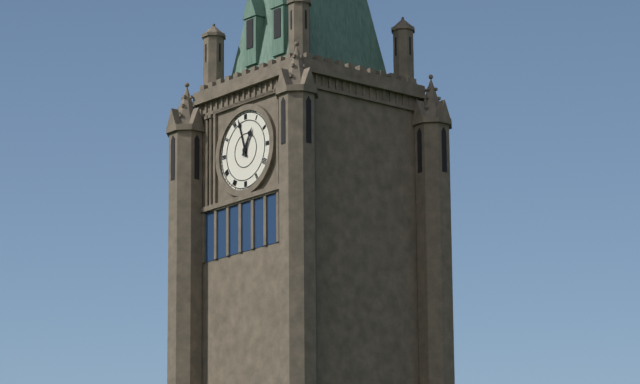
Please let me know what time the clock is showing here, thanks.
12:57
